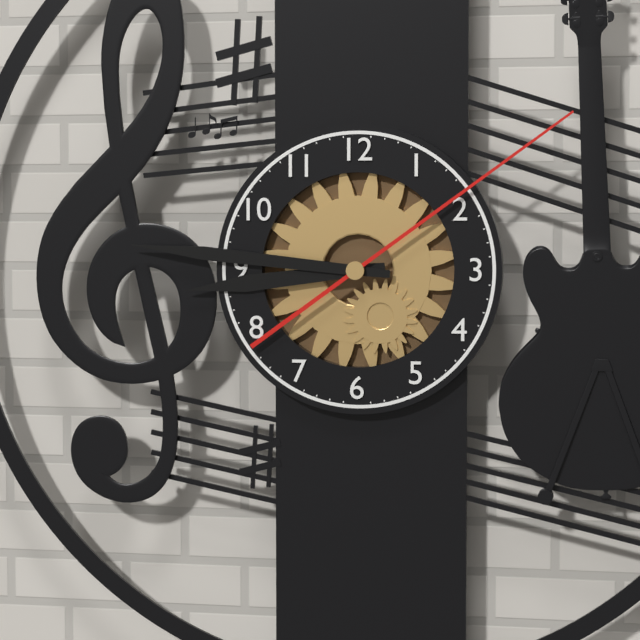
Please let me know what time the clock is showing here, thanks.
8:46:09
